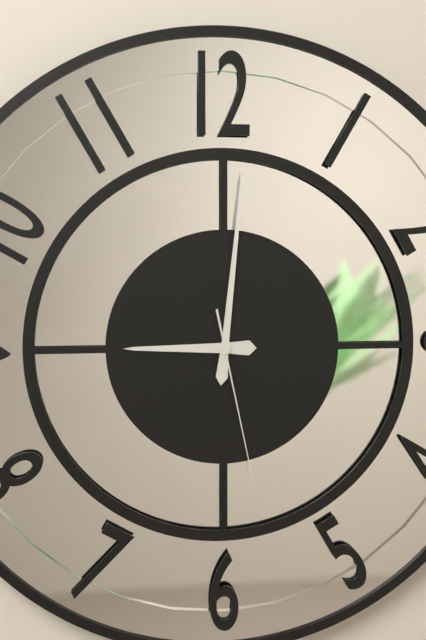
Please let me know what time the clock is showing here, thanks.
9:01:28
